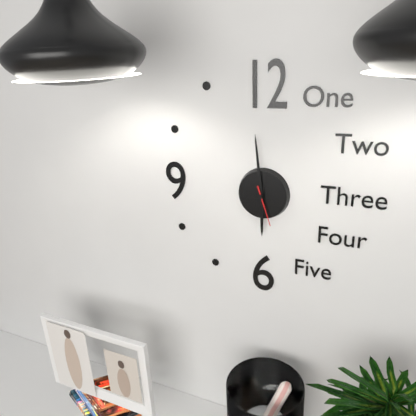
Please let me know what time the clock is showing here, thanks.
5:59
